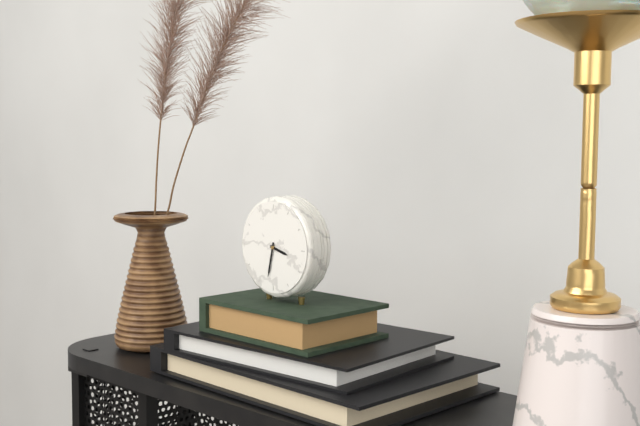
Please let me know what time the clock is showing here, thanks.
3:32
